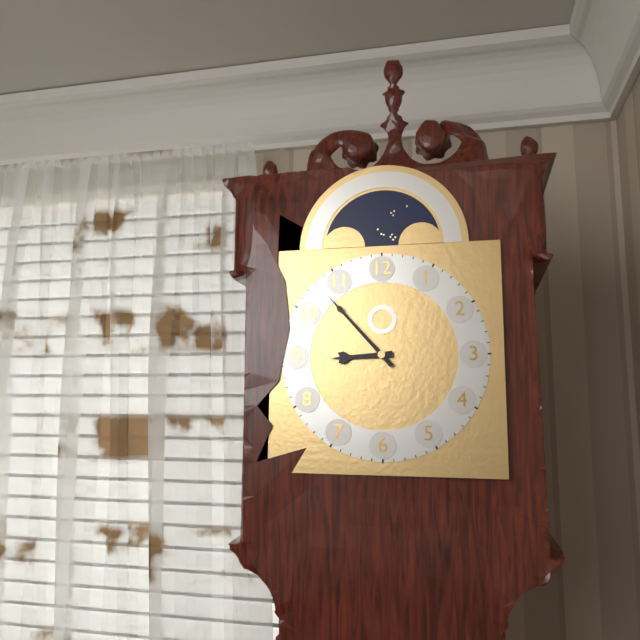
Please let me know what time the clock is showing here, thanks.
8:53
